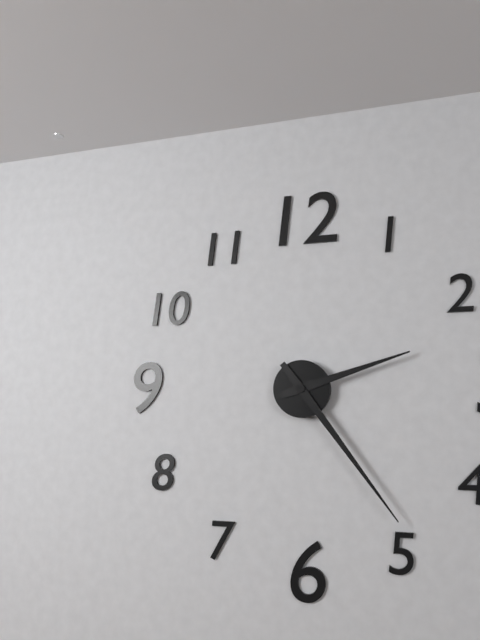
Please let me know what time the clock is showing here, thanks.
2:24
